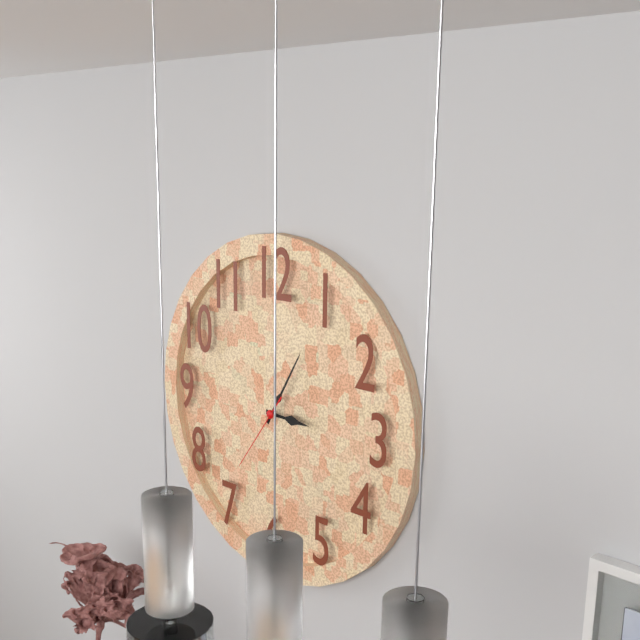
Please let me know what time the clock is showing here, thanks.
3:05:36
